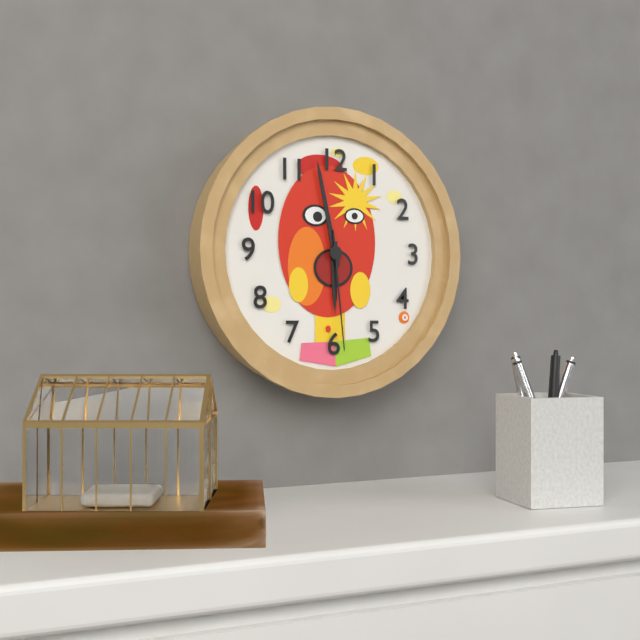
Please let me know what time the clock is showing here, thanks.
5:58:29
